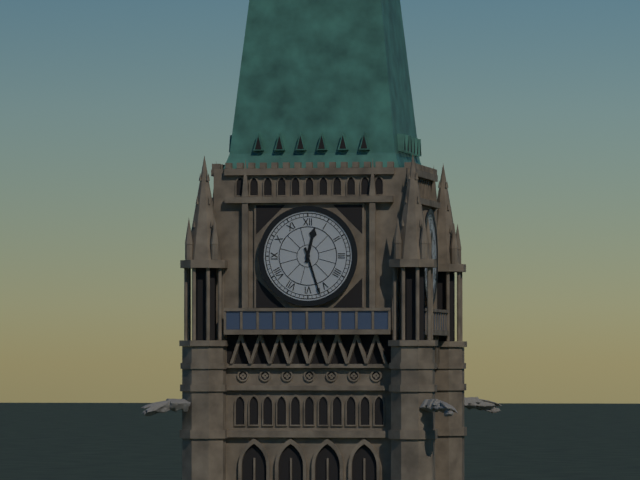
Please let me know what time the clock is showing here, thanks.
12:27
